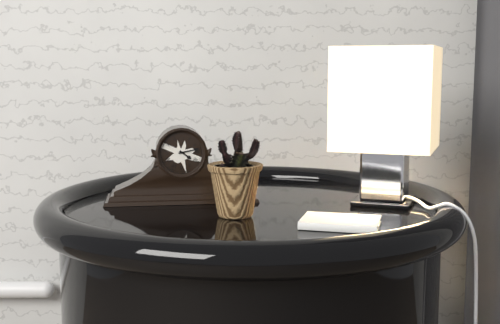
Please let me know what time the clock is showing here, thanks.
4:13
